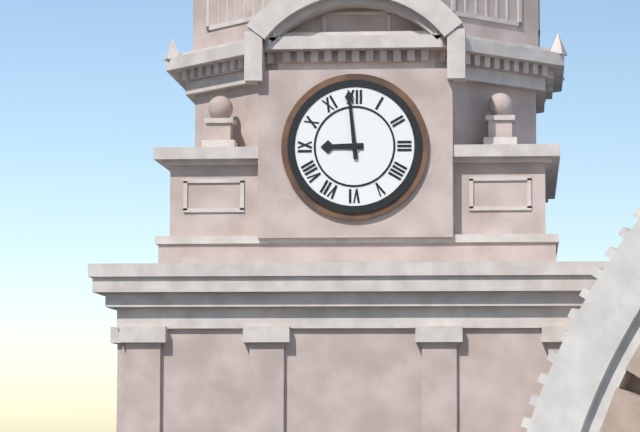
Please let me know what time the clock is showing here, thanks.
8:59
